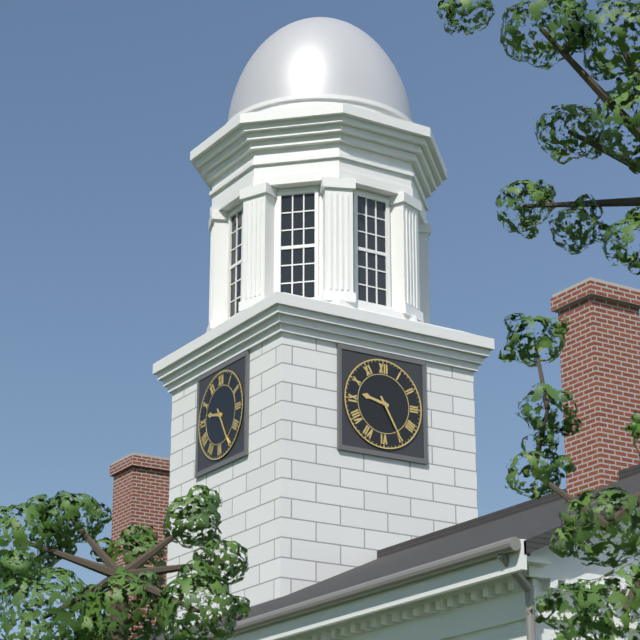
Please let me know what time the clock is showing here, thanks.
9:25
